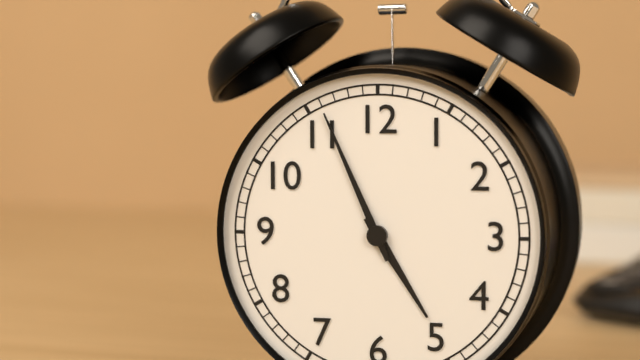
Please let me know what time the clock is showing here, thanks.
4:56
